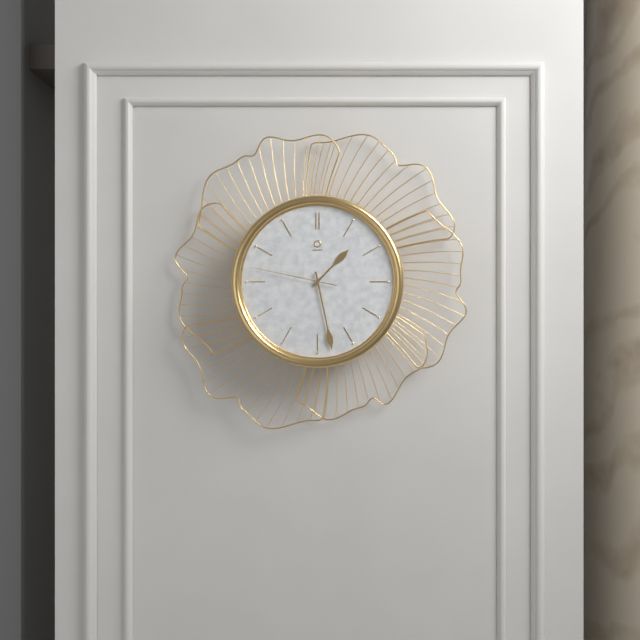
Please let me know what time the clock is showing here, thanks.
1:28:47
